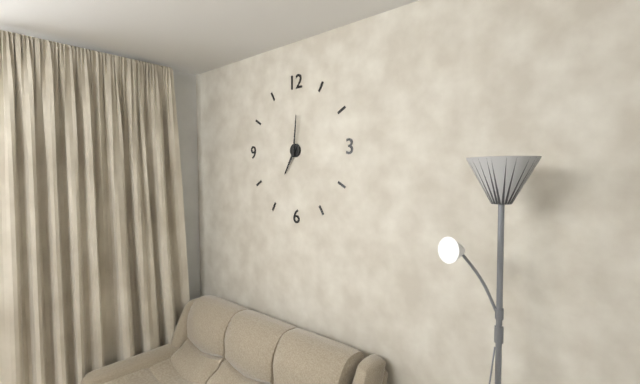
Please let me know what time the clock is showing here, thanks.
7:01
